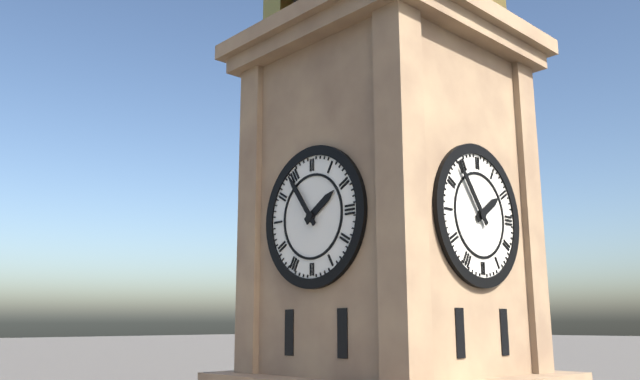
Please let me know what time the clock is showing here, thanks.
1:54
